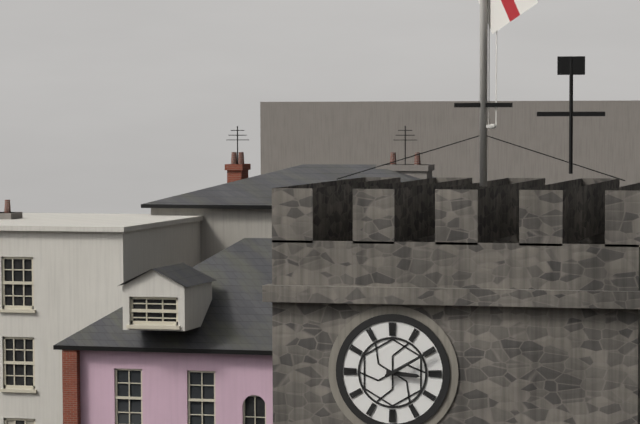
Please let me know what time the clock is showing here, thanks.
3:10
